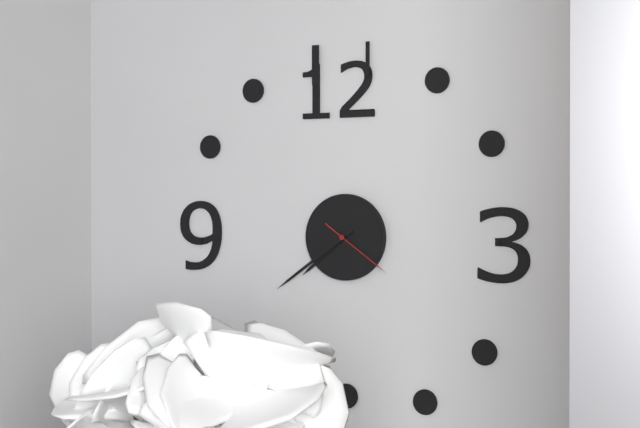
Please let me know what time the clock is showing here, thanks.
7:39:21
